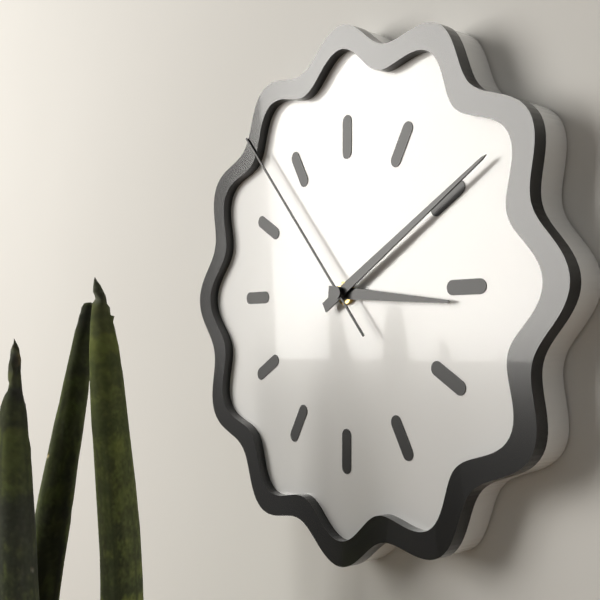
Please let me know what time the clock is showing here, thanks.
3:10:53
